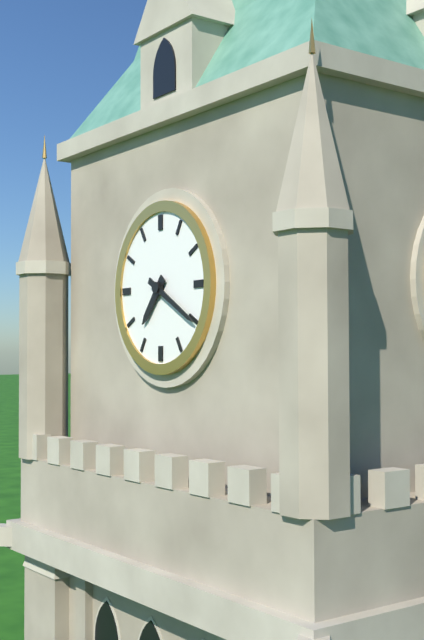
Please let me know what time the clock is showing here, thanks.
7:20
